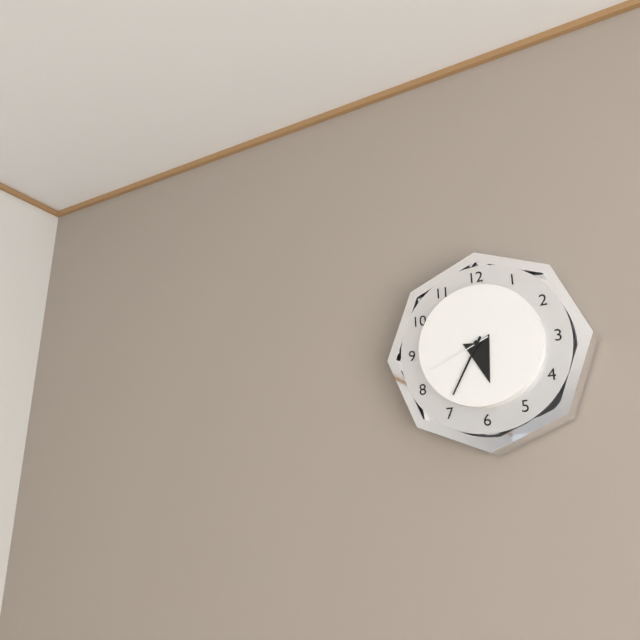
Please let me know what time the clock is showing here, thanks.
5:35:41
